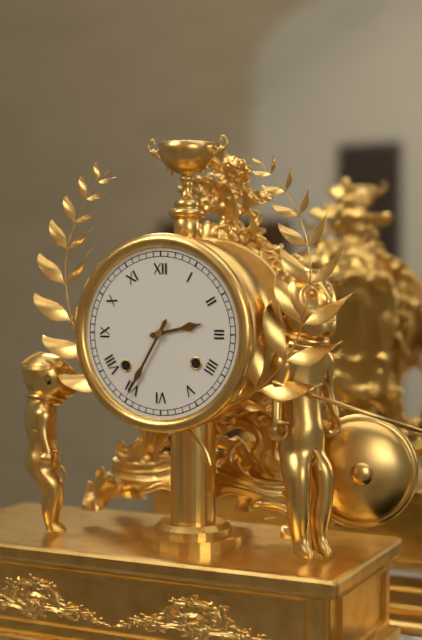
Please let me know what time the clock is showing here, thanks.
2:35
